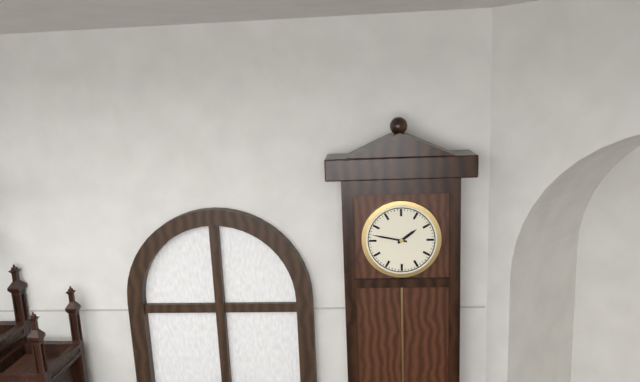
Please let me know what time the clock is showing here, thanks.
1:47
